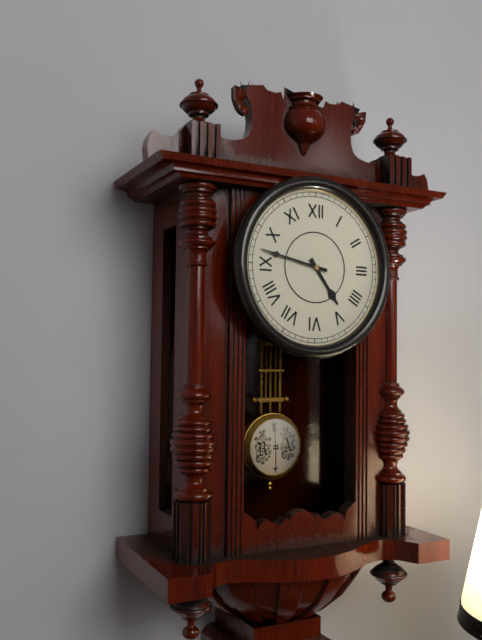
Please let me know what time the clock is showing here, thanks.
4:47
